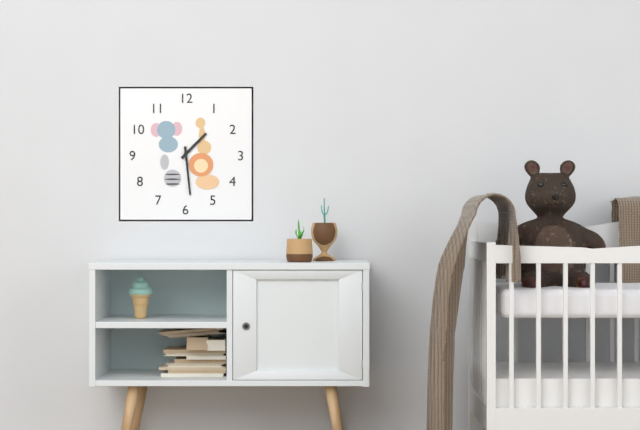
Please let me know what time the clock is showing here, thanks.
1:29
